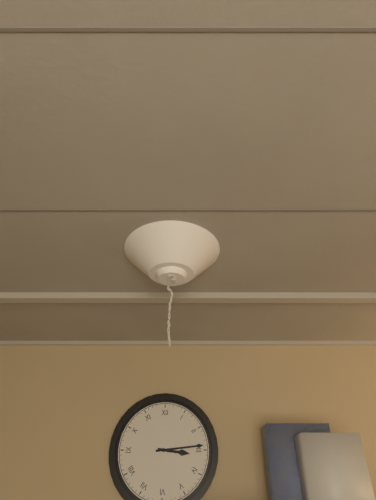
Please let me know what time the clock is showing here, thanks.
3:14
